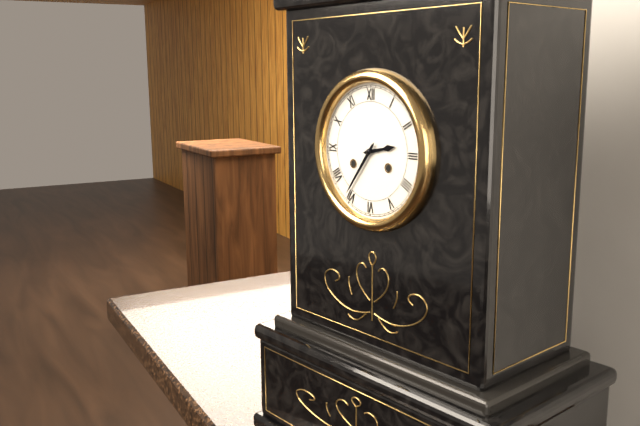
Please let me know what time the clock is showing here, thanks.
2:36
